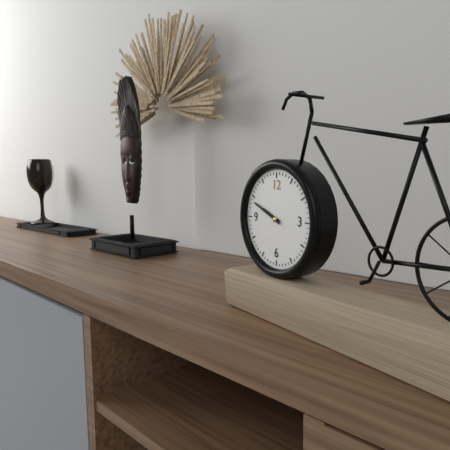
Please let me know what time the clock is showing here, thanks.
9:49
